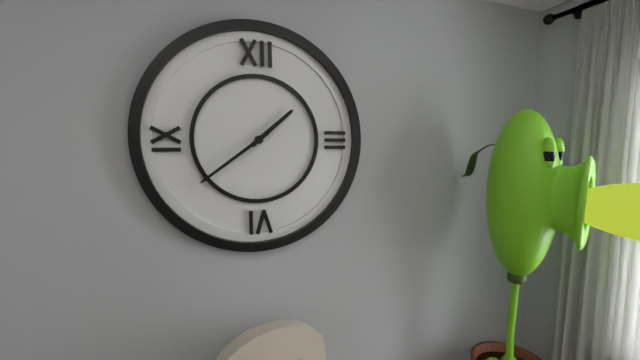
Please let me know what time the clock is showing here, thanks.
1:39
